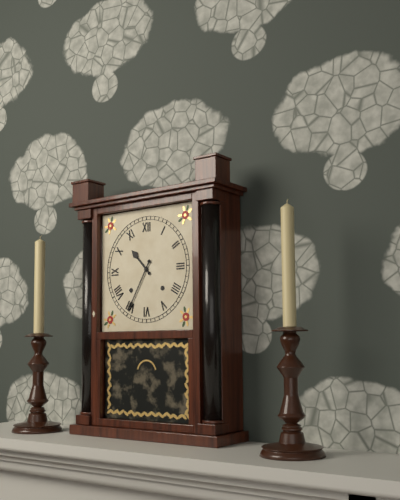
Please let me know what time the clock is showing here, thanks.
10:35
